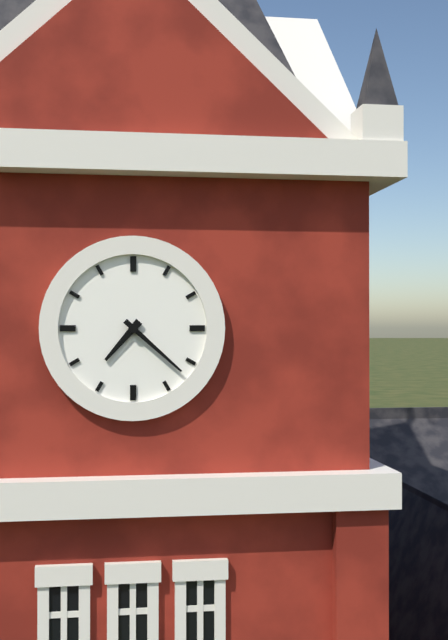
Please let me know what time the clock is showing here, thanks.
7:22
